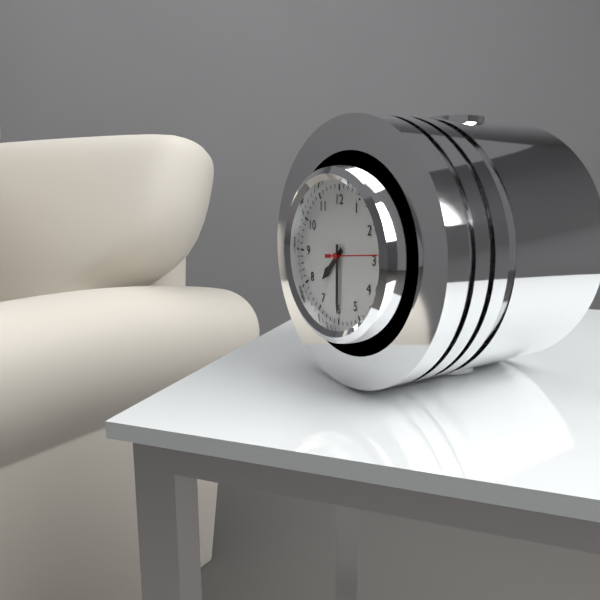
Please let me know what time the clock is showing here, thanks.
7:30:14
